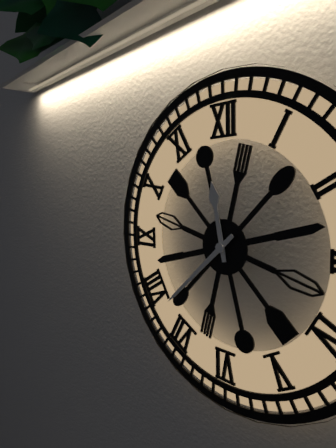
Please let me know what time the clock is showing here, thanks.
11:38
